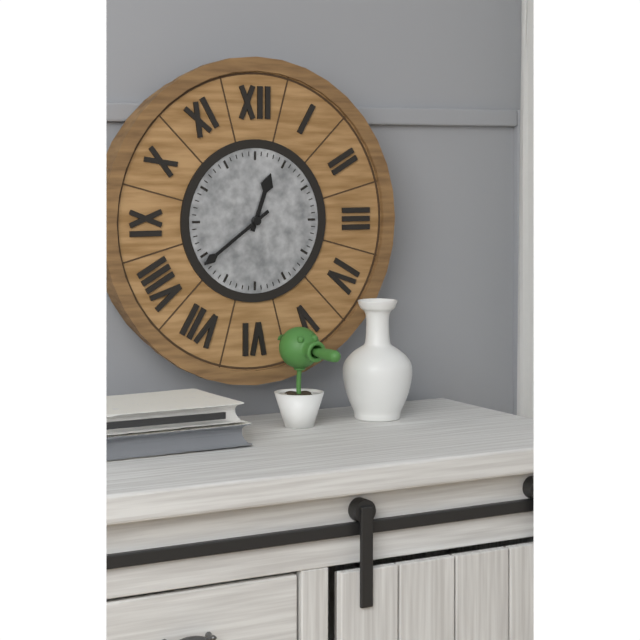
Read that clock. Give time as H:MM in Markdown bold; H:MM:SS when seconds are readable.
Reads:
**12:39**
